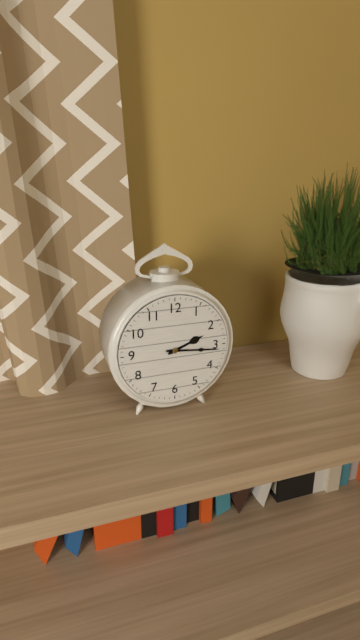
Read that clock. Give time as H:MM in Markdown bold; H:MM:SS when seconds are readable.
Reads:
**2:16**
